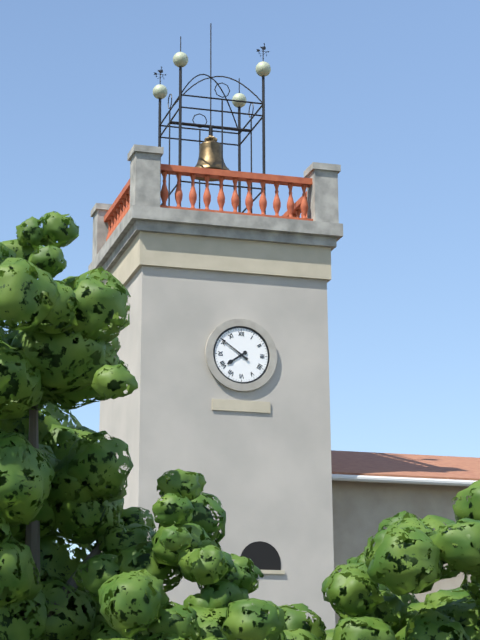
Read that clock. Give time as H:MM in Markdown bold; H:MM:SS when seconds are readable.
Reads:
**7:51**
